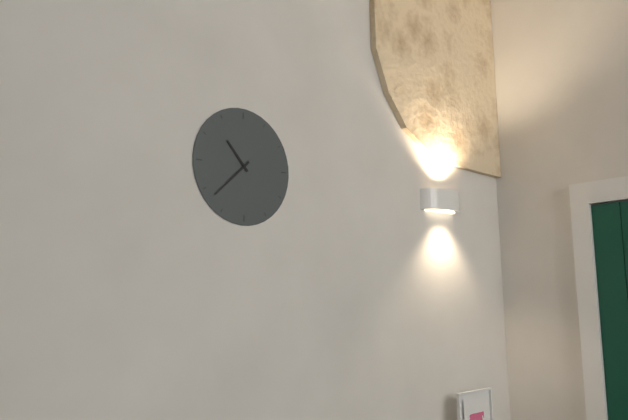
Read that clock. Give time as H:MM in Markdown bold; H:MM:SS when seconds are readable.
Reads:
**10:38**
